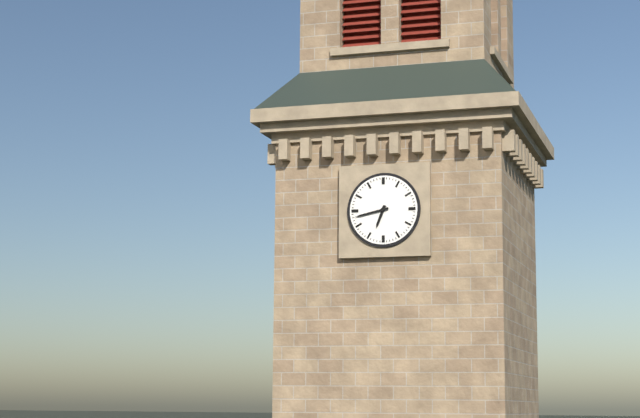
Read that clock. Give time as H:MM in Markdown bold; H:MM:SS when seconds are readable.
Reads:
**6:43**
